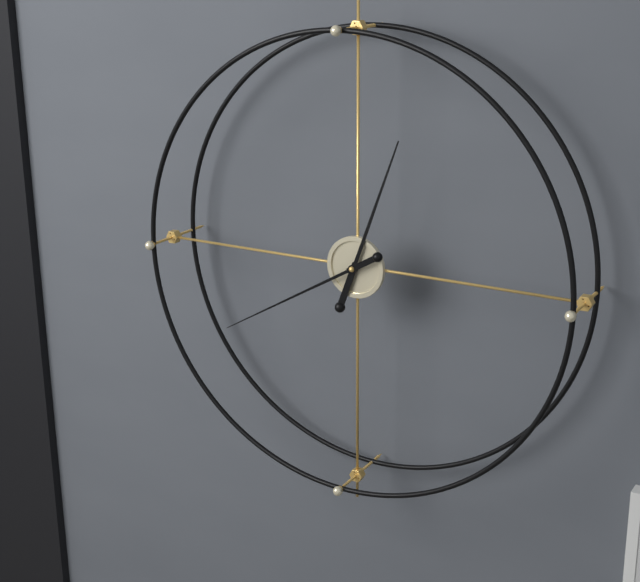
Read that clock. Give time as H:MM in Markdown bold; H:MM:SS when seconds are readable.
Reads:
**12:40**
